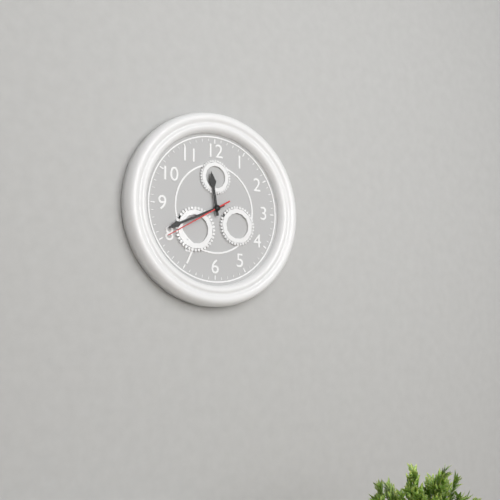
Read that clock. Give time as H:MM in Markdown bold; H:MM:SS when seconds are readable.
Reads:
**11:41:40**
